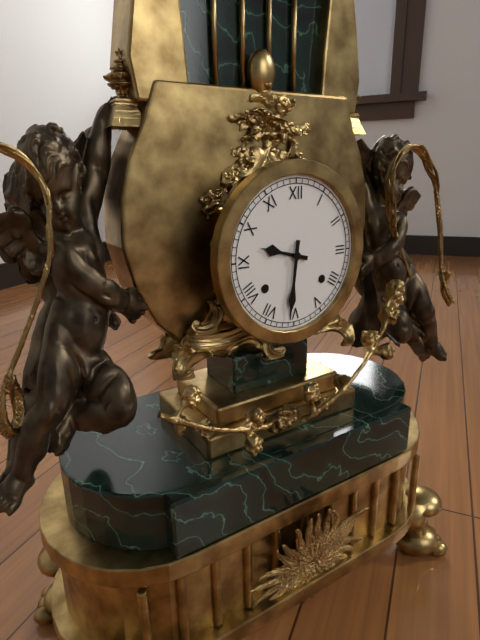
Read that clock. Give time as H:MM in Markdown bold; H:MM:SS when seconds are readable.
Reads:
**9:31**
